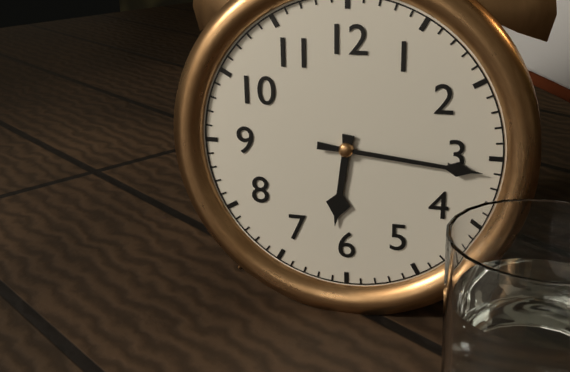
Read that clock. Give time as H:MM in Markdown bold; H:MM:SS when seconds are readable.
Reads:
**6:16**
